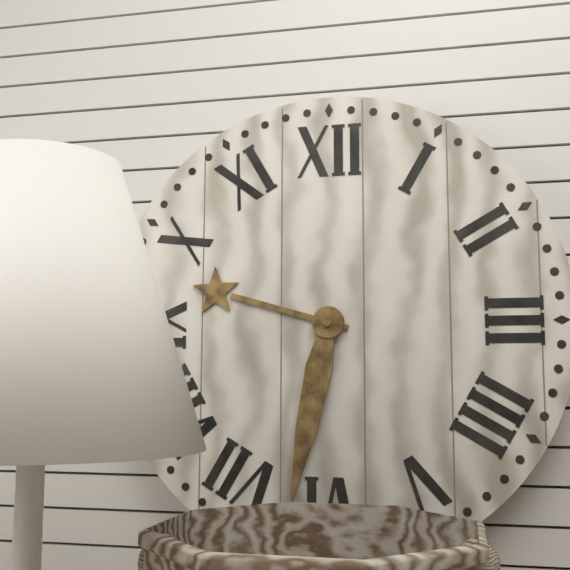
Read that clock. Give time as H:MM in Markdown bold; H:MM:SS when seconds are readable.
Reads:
**9:32**
